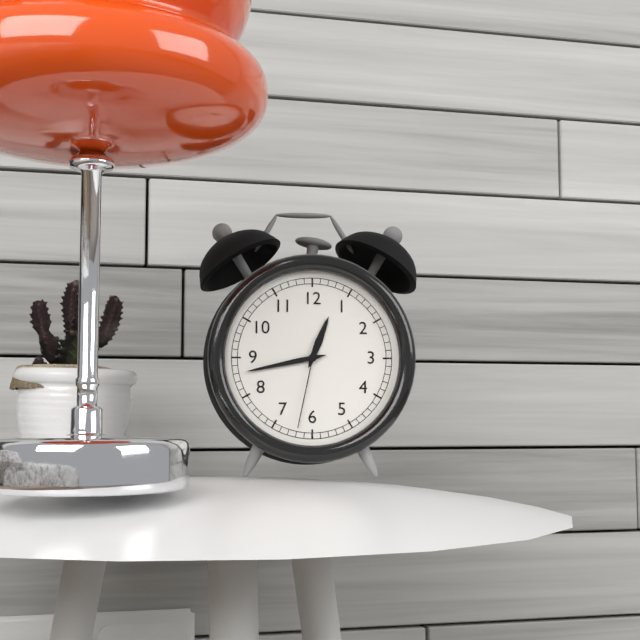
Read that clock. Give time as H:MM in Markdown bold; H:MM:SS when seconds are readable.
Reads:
**12:43:32**
